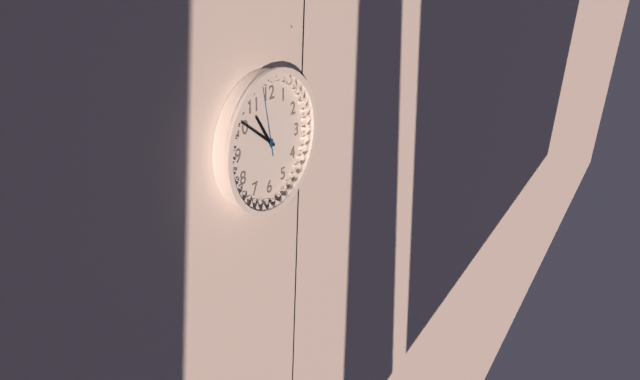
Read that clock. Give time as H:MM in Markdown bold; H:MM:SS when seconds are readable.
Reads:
**10:51:58**
